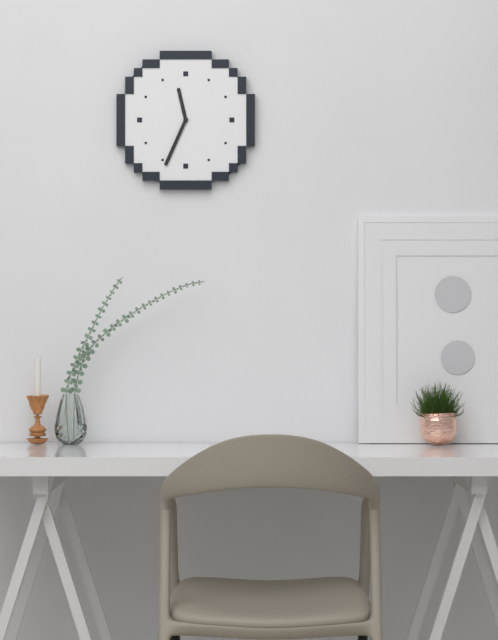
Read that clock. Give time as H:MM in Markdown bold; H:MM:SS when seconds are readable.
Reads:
**11:34**
